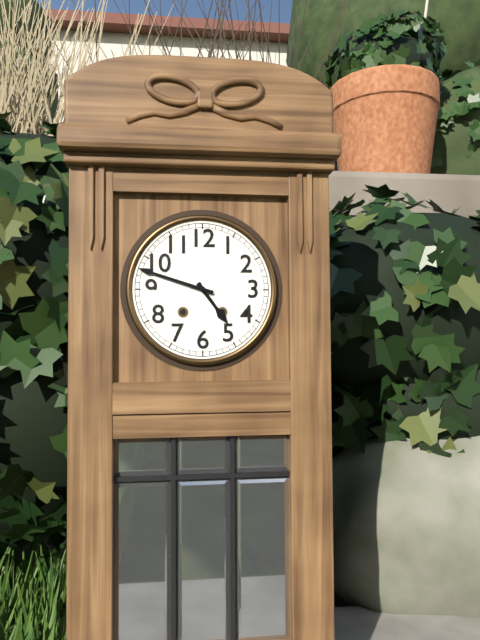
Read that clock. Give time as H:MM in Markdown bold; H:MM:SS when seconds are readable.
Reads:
**4:48**
